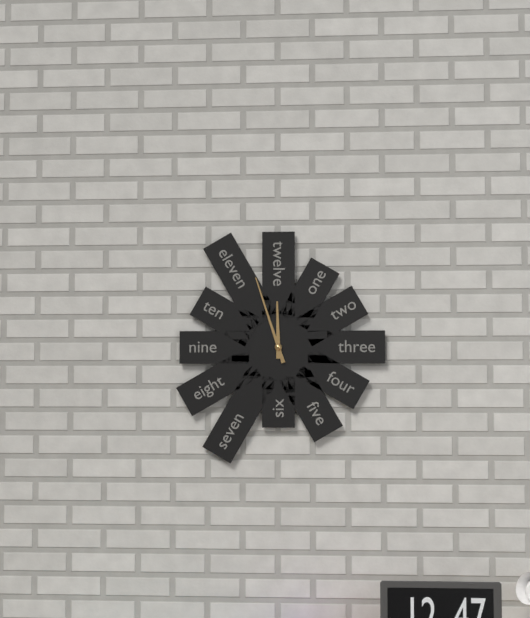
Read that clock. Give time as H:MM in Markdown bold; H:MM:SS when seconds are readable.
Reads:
**11:57**
